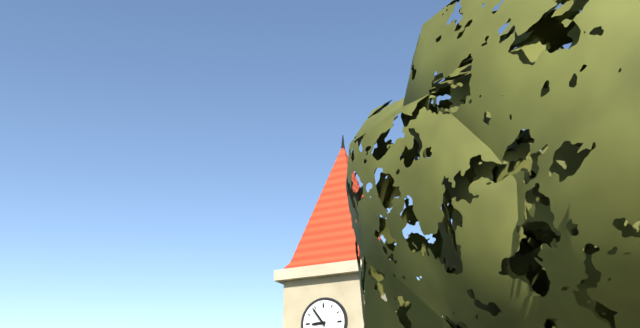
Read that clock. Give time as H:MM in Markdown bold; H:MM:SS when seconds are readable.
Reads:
**8:54**
